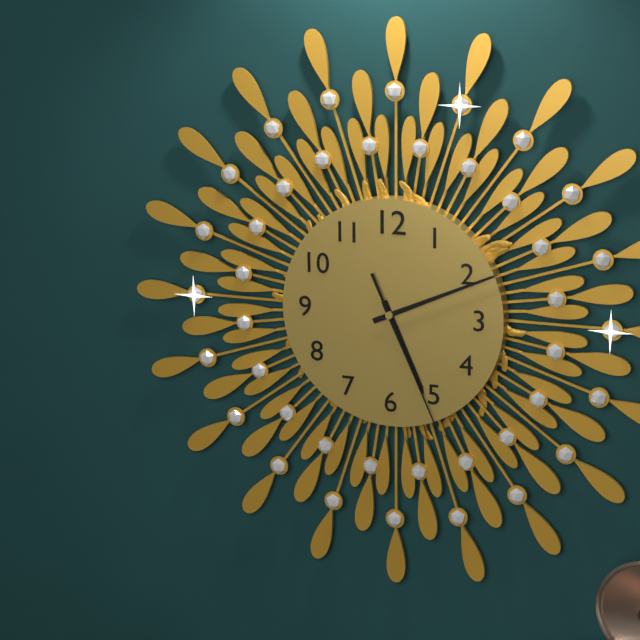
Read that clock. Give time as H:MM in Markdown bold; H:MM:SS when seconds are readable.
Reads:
**5:11:26**
